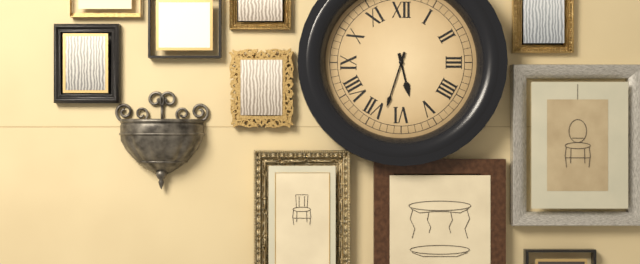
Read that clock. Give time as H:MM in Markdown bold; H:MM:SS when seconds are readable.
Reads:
**5:33**
